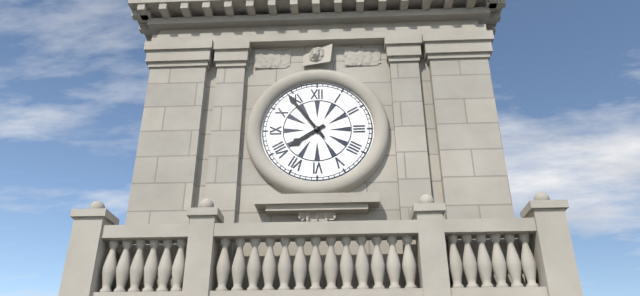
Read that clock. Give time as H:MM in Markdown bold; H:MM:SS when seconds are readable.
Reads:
**7:54**
